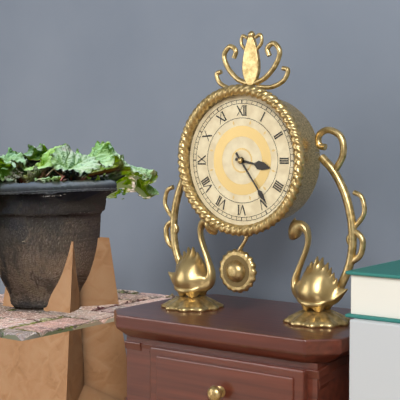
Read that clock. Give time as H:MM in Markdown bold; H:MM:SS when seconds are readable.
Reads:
**3:24**
